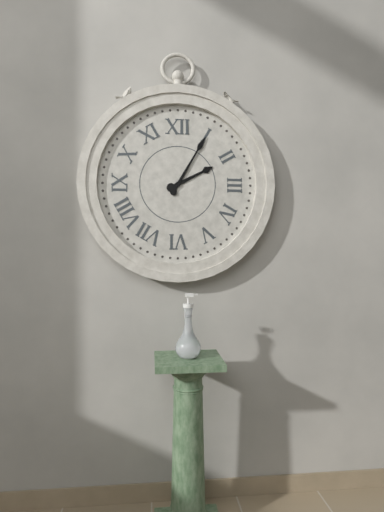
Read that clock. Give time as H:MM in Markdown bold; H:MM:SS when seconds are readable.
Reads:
**2:05**
